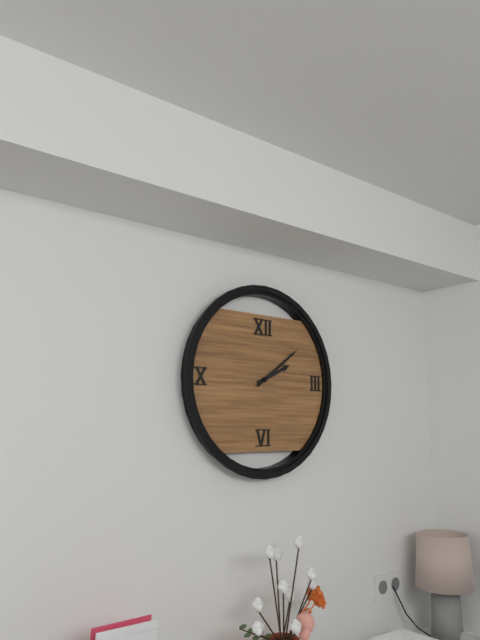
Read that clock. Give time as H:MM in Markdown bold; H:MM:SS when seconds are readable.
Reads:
**2:09**
